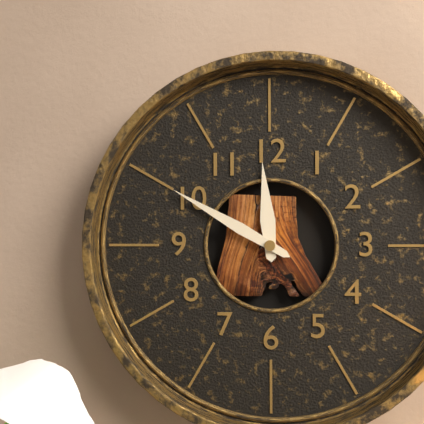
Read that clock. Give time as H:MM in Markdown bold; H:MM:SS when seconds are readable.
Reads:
**11:50**
